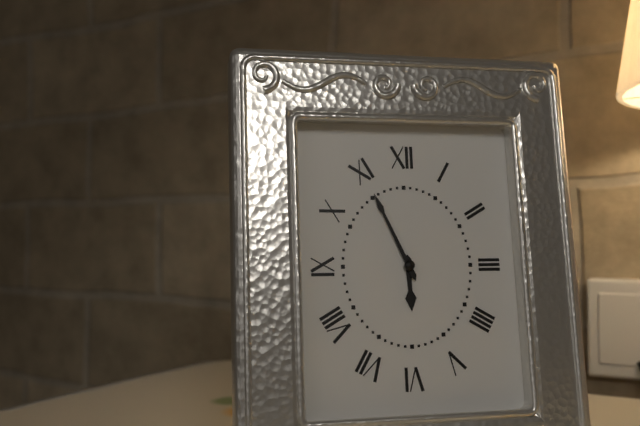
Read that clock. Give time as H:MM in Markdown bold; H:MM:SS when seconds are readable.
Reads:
**5:56**
